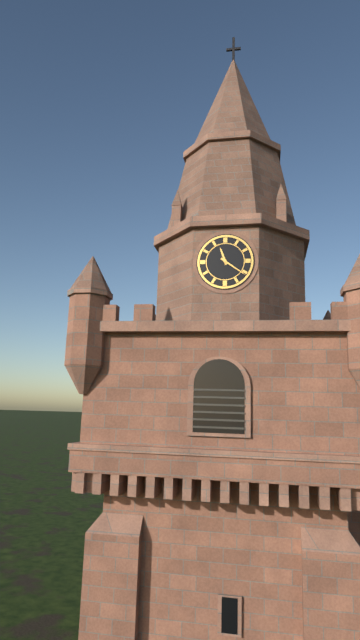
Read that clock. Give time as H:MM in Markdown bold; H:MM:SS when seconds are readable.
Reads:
**11:21**
